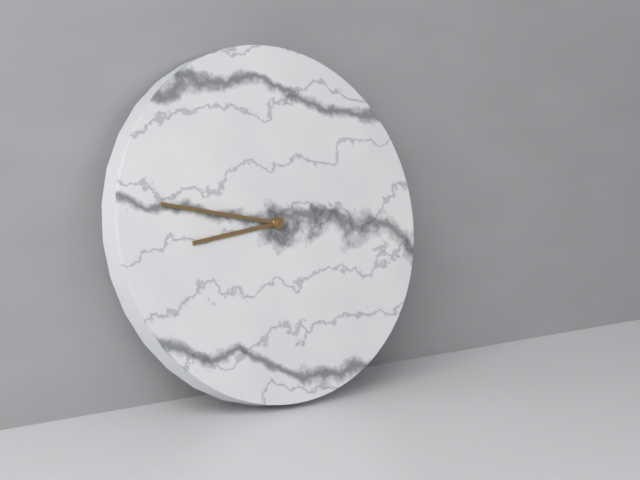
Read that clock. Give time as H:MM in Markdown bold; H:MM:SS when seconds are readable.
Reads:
**8:47**
